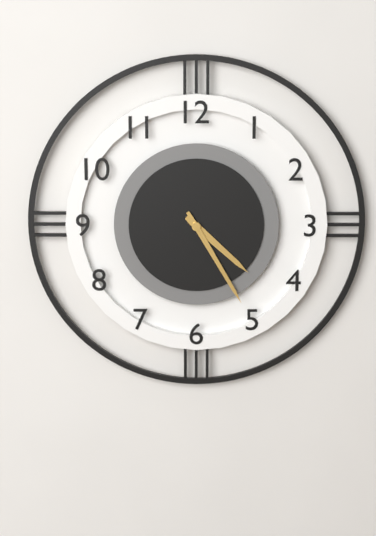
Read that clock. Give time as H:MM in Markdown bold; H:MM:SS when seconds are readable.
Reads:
**4:25**
